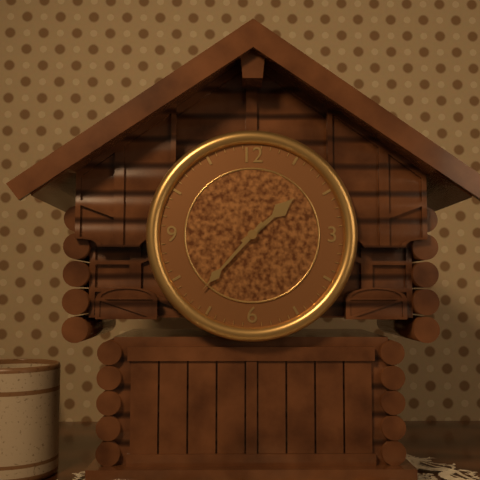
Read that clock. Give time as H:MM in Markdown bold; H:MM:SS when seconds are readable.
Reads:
**1:37**
